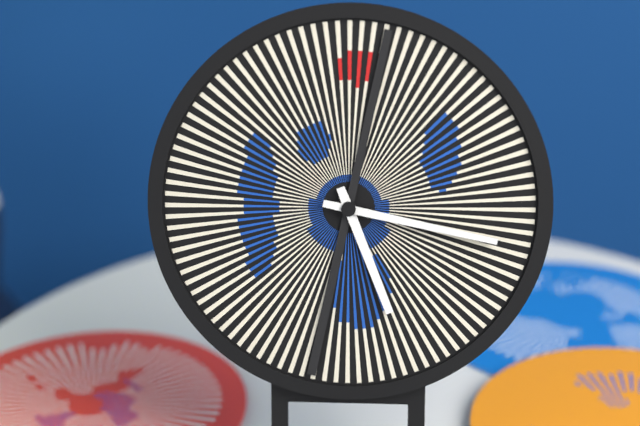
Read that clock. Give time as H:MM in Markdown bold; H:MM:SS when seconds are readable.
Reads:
**5:17**
